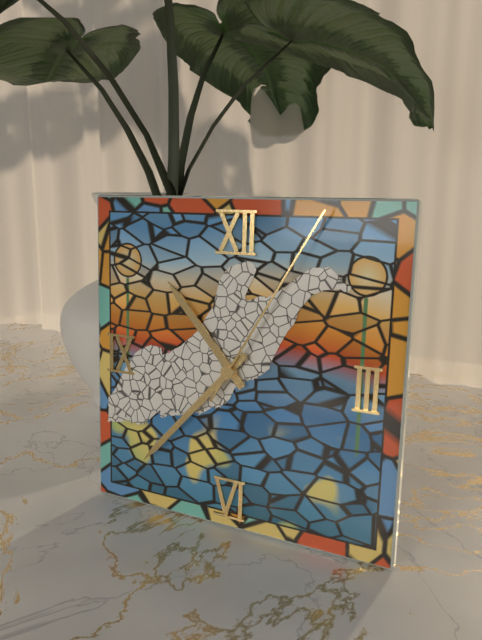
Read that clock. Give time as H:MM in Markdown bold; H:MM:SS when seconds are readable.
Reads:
**10:37:05**
